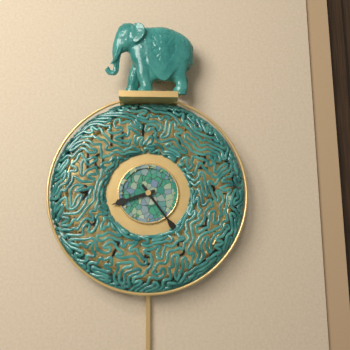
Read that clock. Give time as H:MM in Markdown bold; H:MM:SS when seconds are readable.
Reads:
**8:24**
